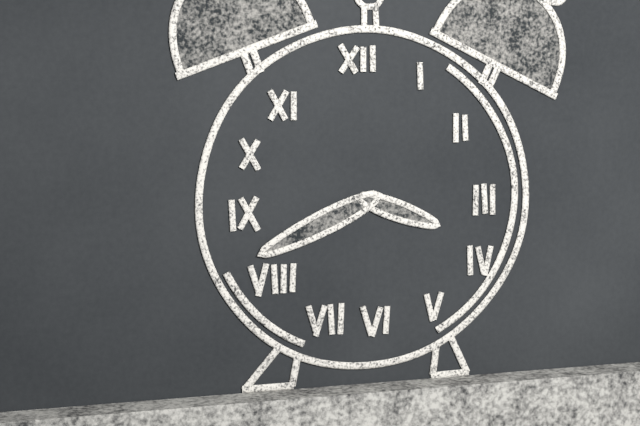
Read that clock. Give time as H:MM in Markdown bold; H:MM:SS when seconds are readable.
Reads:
**3:41**
